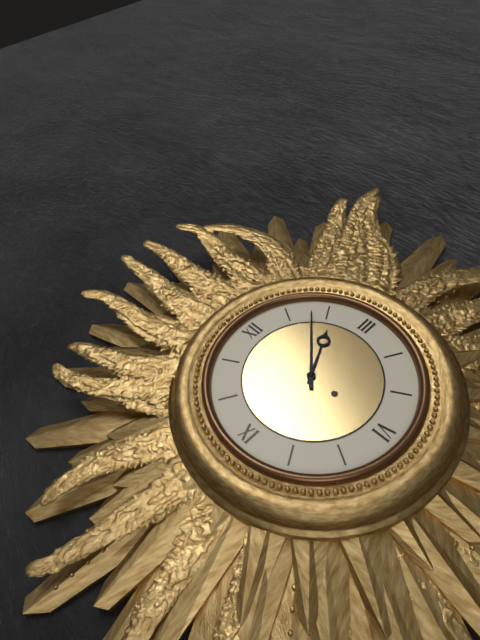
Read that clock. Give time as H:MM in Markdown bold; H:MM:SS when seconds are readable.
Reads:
**2:08**
